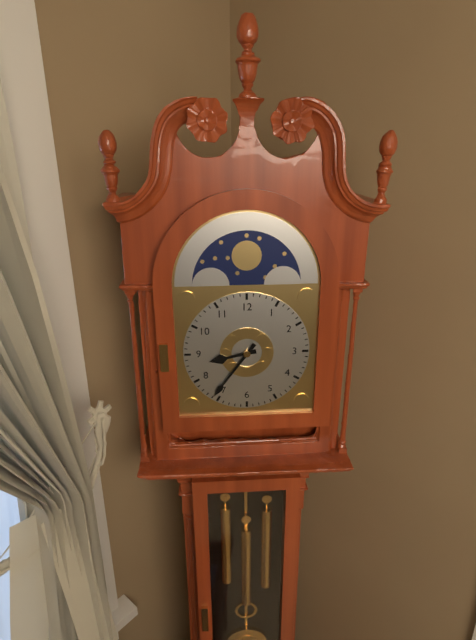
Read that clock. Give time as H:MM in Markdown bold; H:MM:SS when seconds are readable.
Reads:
**8:36**
